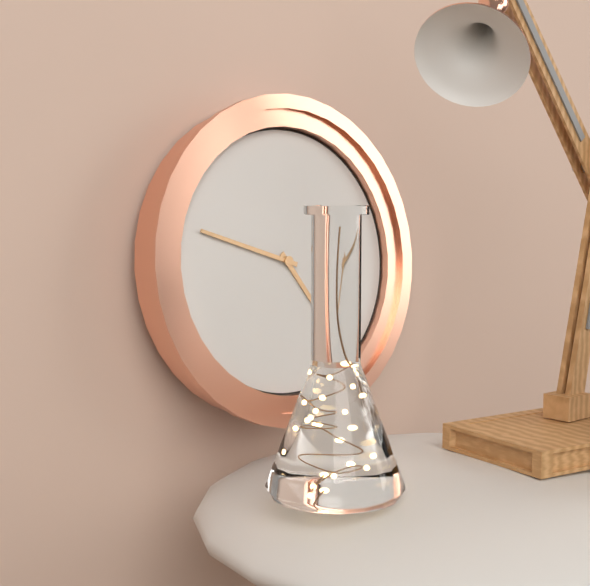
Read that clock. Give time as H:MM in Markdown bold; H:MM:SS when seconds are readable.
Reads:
**4:48**
